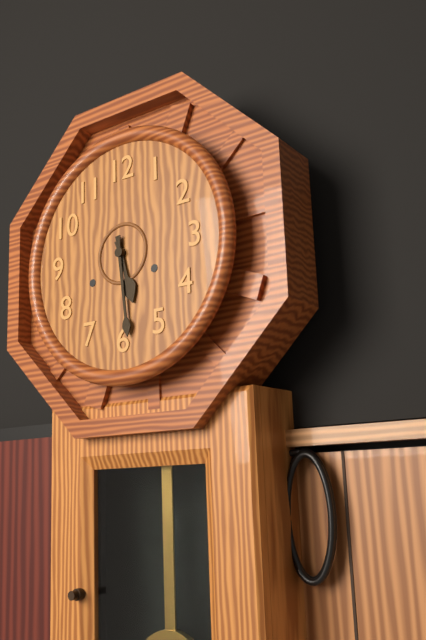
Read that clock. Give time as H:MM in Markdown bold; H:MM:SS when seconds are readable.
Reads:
**5:29**
